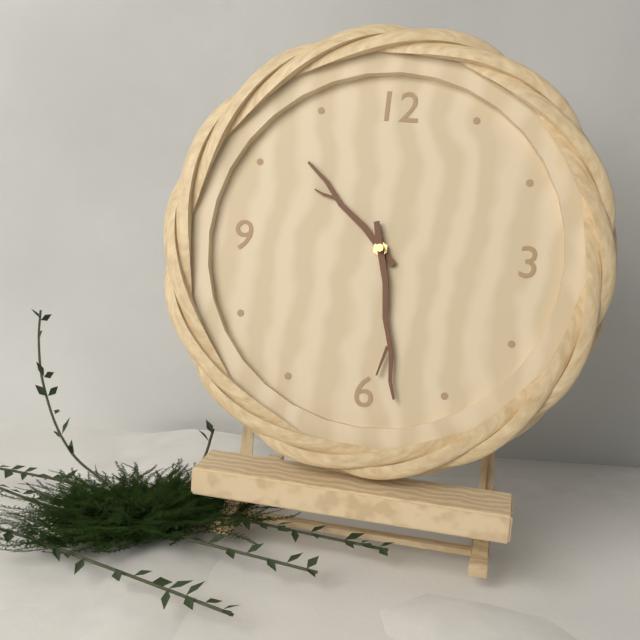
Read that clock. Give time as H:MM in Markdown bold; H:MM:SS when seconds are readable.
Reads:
**10:28**
